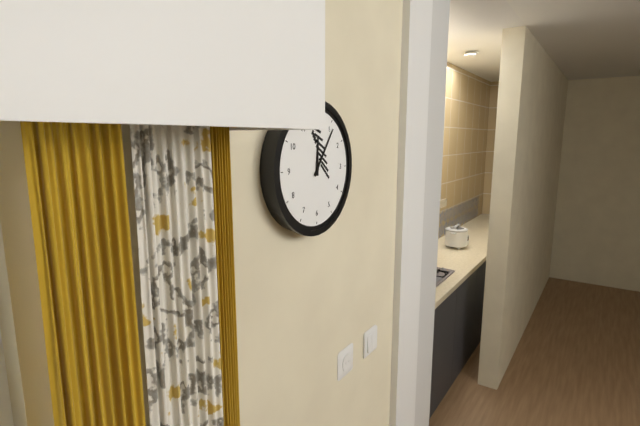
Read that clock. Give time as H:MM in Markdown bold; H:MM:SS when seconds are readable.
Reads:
**12:06**
